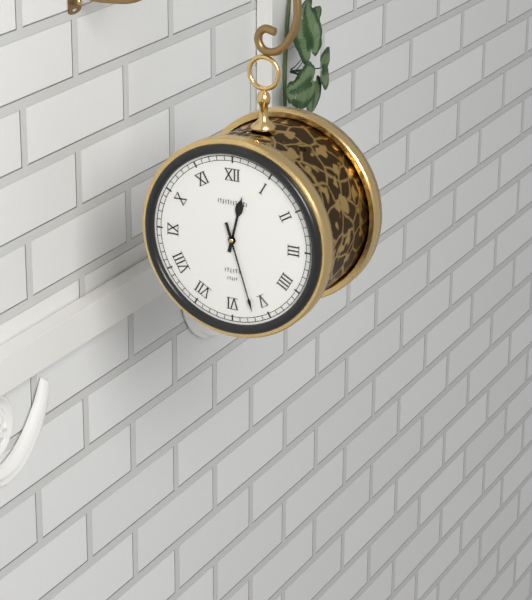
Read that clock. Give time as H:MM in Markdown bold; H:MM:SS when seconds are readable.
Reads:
**12:27**
